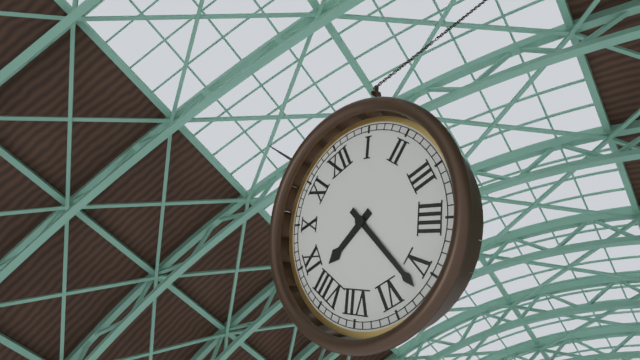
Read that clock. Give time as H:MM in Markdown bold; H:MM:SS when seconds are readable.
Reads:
**8:27**
